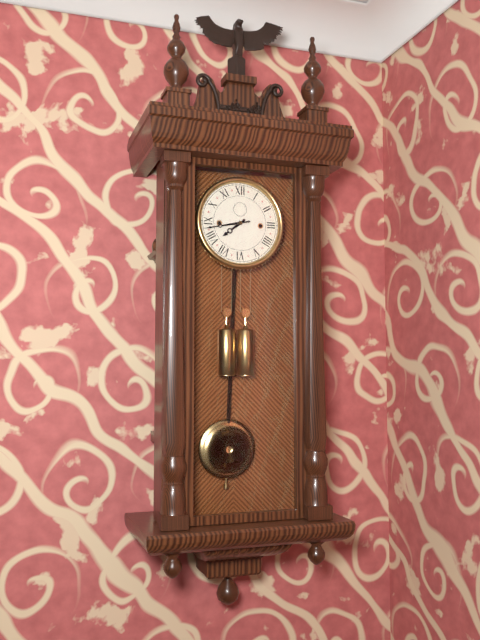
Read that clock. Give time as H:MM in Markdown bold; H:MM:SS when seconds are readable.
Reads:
**7:43**
